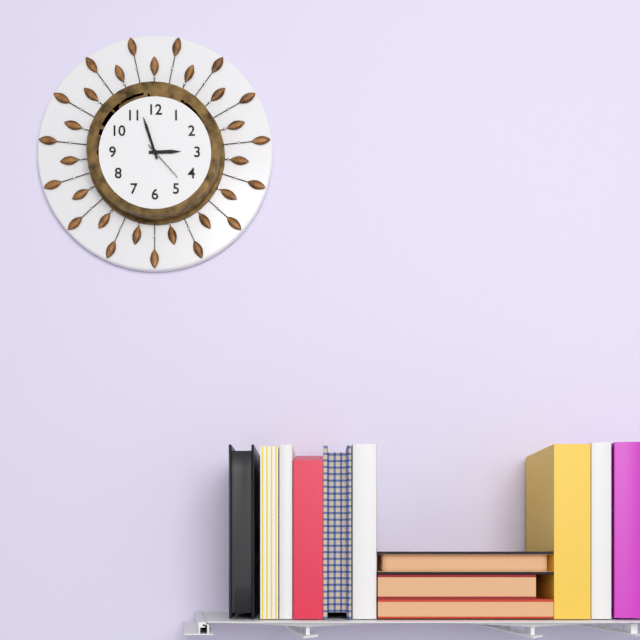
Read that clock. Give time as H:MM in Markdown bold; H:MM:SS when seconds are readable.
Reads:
**2:57**
